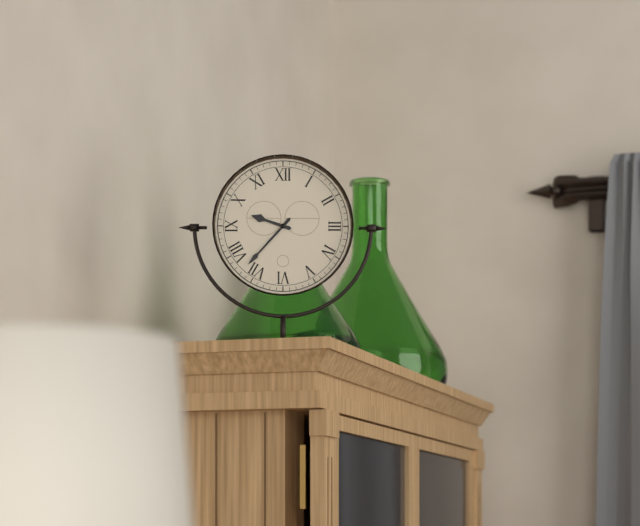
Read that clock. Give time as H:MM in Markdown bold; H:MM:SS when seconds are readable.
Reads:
**9:37**
